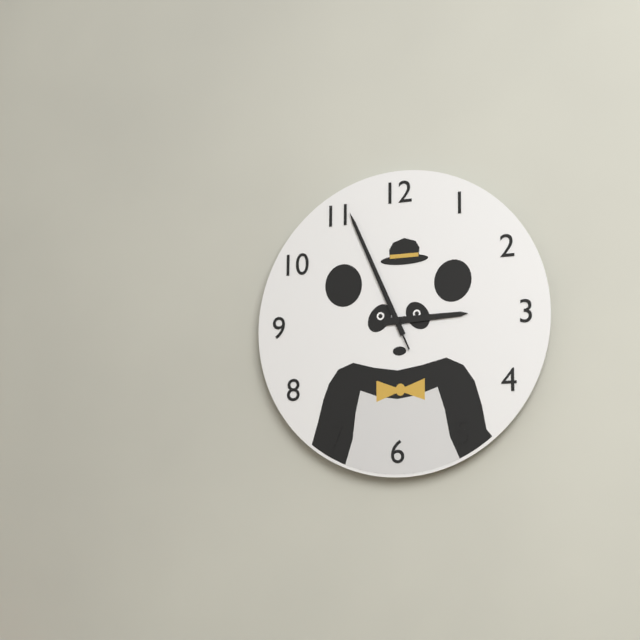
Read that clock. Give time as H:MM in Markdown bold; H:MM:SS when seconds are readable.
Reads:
**2:56:56**
